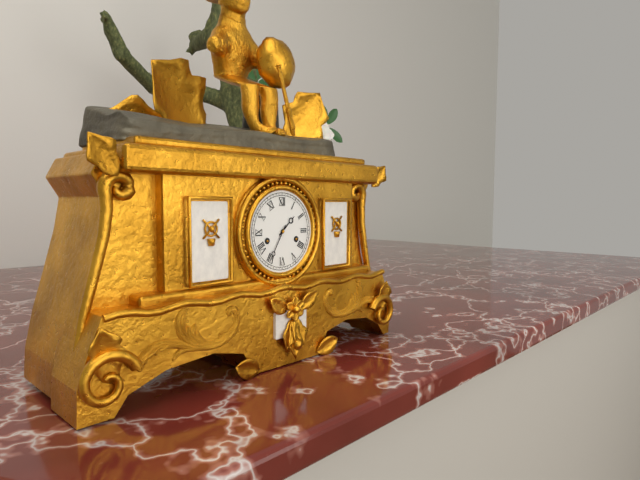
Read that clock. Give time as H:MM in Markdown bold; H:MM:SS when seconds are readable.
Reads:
**1:35**
